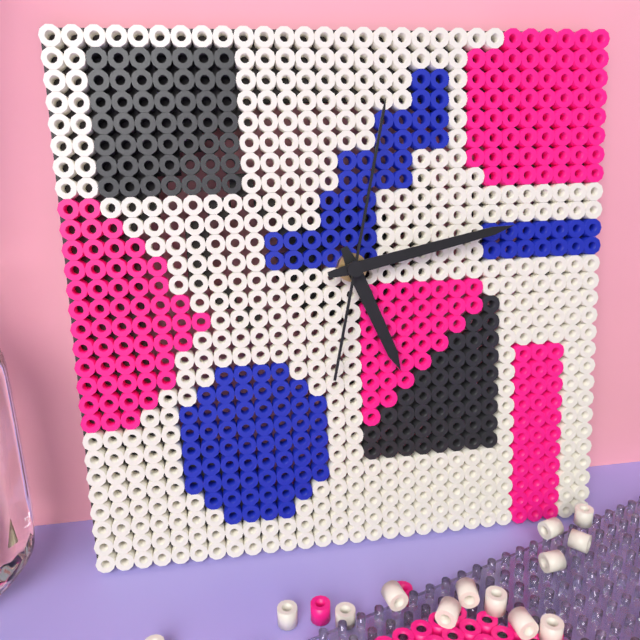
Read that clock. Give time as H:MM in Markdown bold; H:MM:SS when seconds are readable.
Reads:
**5:13:02**
